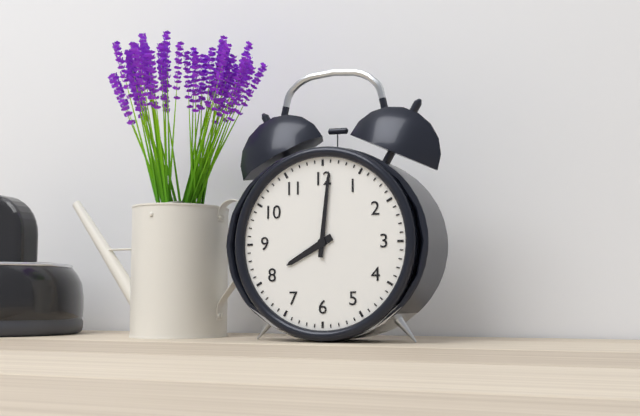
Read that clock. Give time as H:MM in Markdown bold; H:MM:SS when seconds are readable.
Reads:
**8:01**
